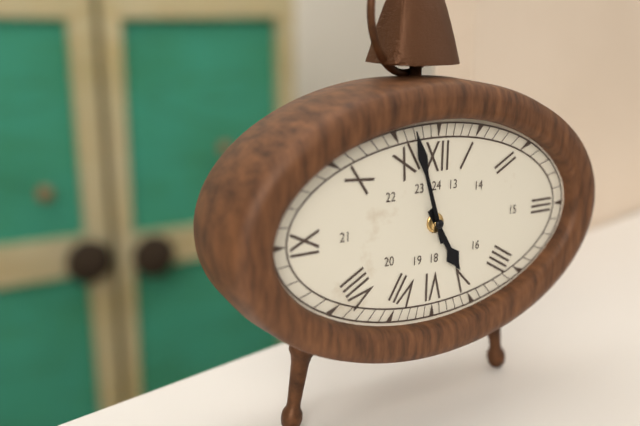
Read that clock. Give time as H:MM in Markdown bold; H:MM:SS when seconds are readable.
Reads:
**4:57**
